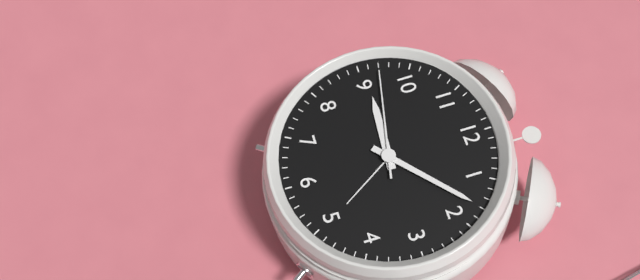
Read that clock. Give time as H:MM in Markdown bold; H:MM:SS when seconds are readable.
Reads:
**9:08:47**
